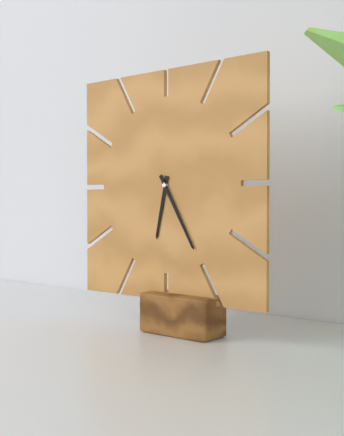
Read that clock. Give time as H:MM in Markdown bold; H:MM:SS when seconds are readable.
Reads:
**6:25**
